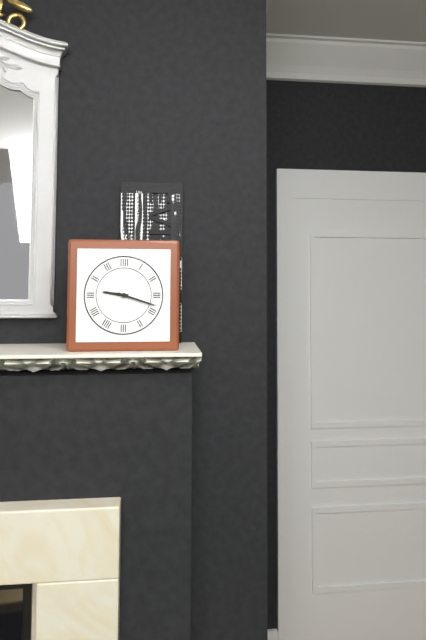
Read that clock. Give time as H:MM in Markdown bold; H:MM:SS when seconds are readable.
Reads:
**9:18**
